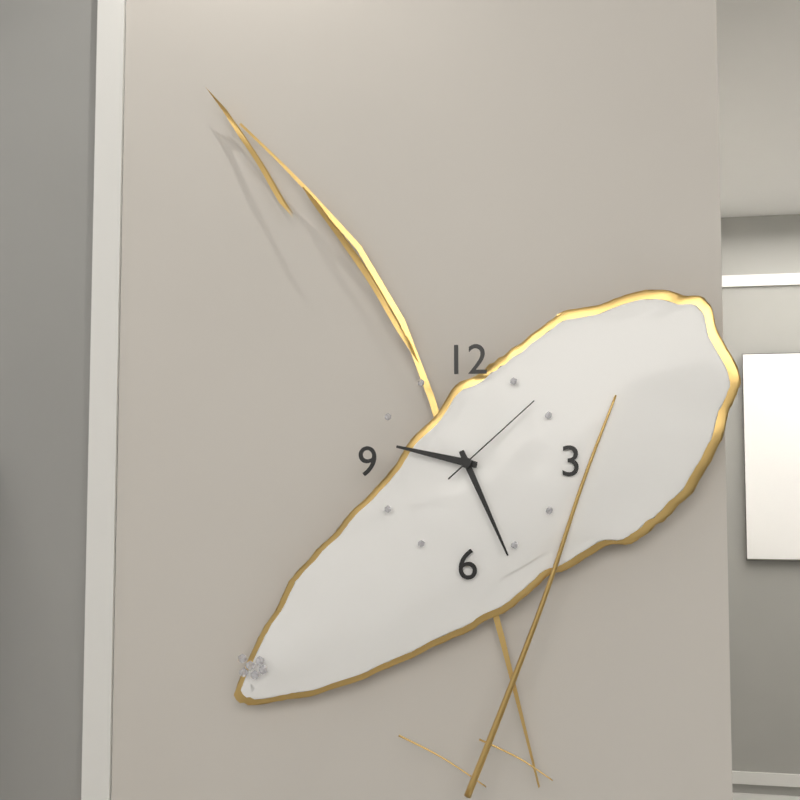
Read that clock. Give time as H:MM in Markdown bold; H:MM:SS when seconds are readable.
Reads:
**9:26:08**
